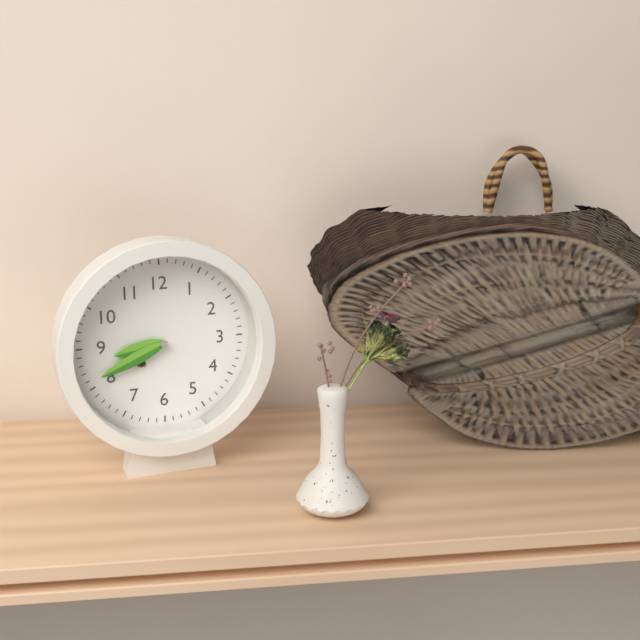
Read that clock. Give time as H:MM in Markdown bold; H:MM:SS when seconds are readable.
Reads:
**8:41**
